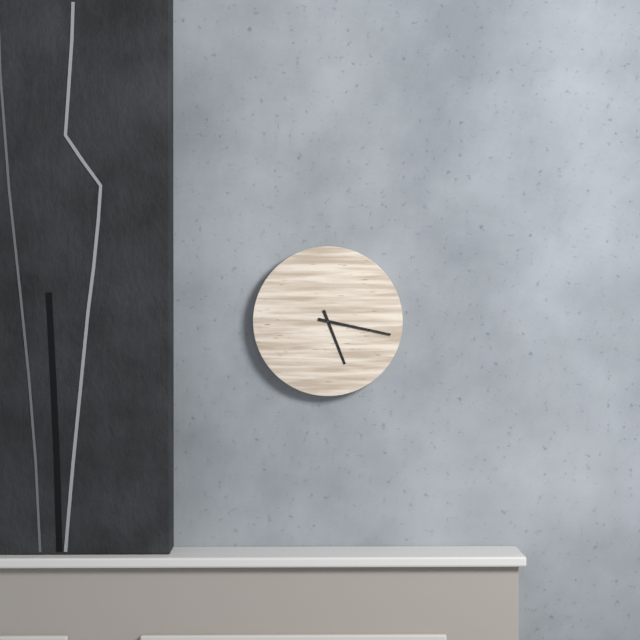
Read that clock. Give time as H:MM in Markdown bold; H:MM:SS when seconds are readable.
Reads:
**5:17**
